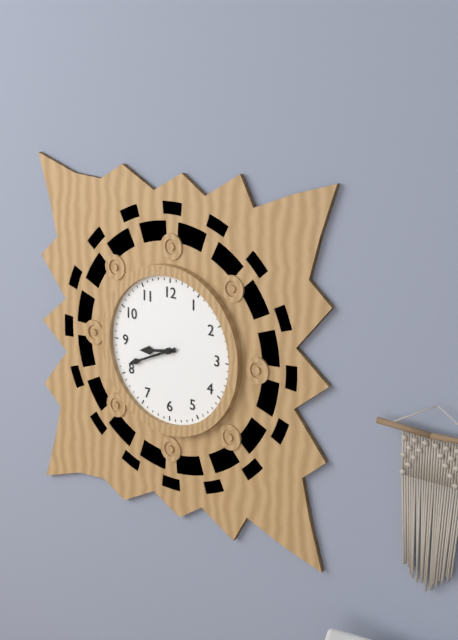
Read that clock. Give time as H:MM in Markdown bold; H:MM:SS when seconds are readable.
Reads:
**8:41**
